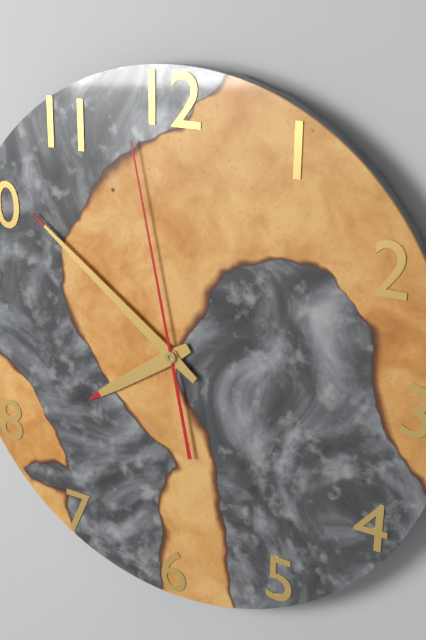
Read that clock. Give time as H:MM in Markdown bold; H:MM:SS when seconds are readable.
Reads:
**7:51:58**
